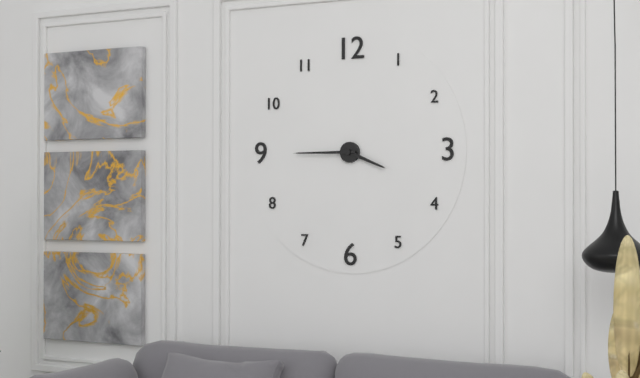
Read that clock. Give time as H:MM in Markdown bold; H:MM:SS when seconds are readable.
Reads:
**3:45**
